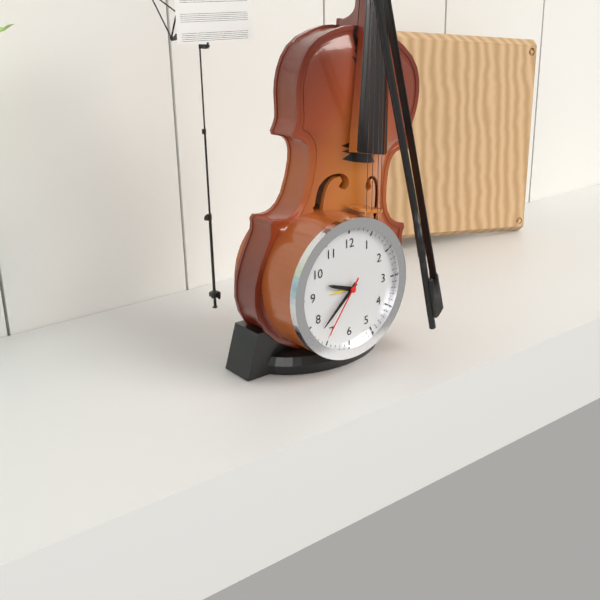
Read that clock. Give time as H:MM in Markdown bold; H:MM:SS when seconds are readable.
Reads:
**9:38:36**
